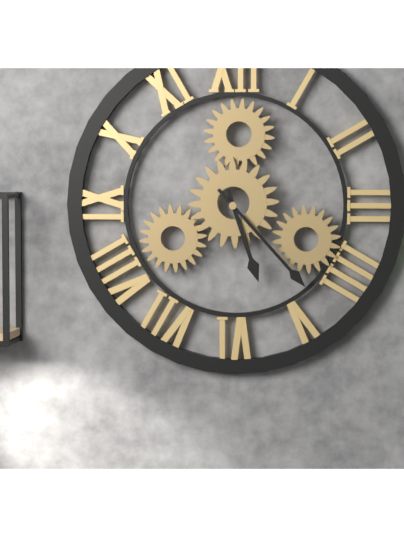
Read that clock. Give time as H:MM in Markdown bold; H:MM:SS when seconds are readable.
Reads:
**5:23**
